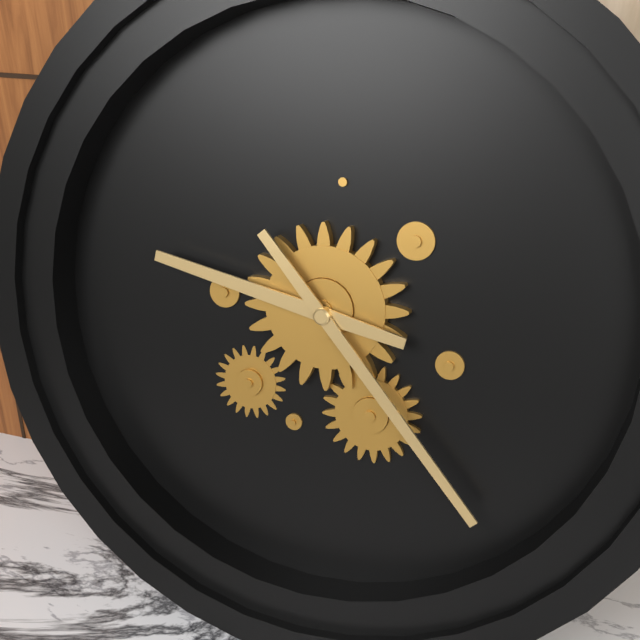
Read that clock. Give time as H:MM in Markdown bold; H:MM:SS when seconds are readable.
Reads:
**9:23**
